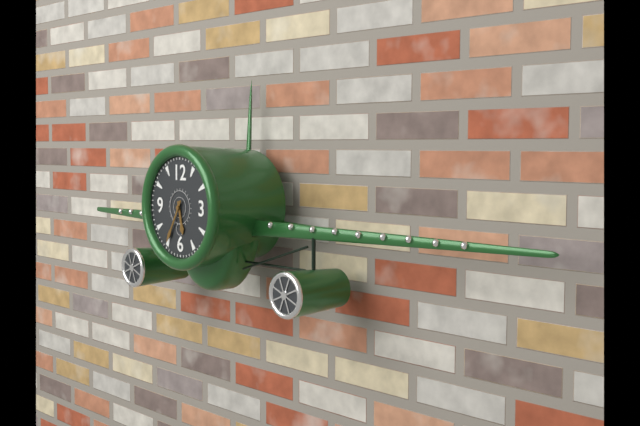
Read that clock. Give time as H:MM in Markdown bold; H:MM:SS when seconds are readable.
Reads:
**5:35**
